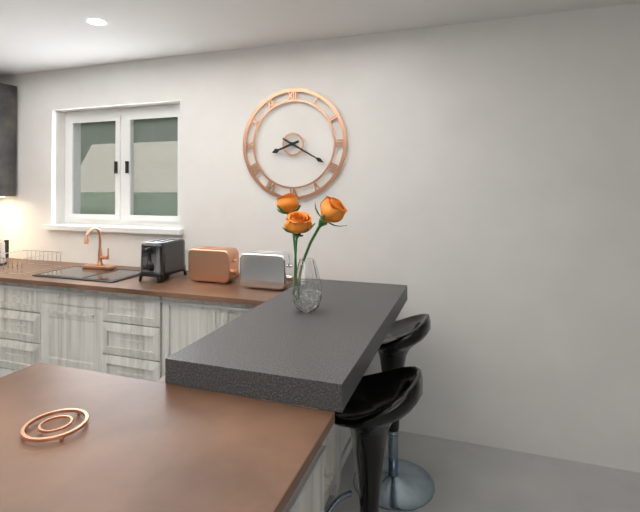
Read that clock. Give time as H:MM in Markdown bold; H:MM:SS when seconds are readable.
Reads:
**8:20**
